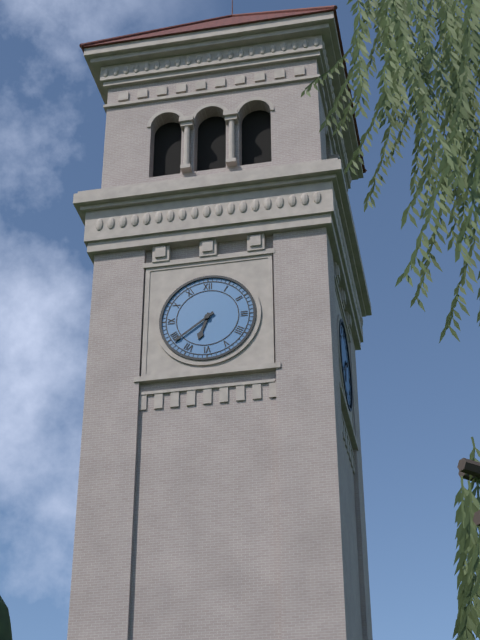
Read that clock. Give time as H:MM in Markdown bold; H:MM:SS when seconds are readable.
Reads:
**6:39**
